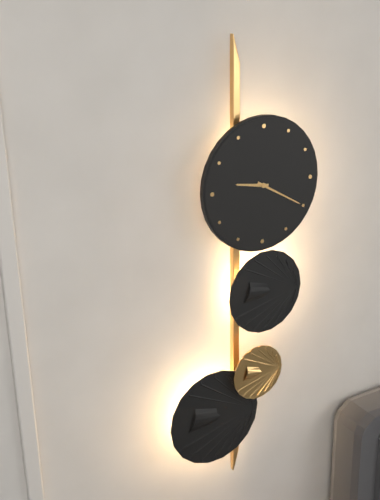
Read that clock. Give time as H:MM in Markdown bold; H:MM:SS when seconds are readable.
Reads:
**9:20**
